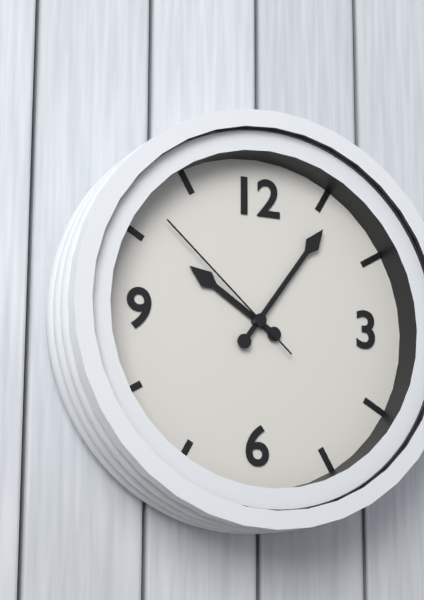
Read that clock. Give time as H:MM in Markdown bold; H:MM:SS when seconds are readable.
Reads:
**10:06:52**
